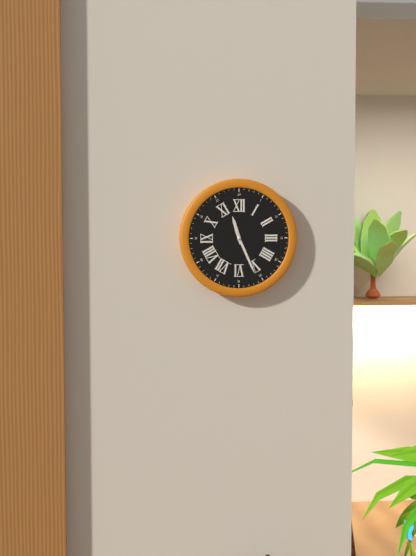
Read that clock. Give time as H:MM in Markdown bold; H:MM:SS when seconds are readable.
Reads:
**11:26**
